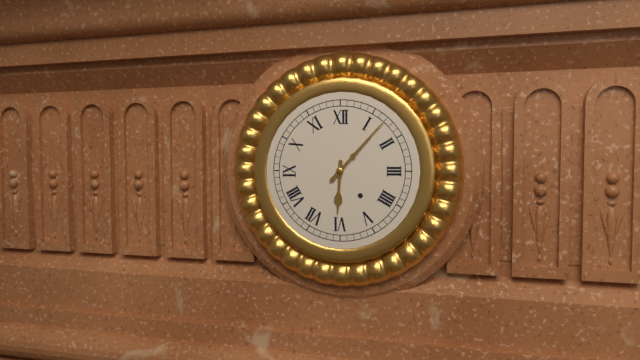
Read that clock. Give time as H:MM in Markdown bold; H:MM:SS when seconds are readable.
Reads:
**6:07**
